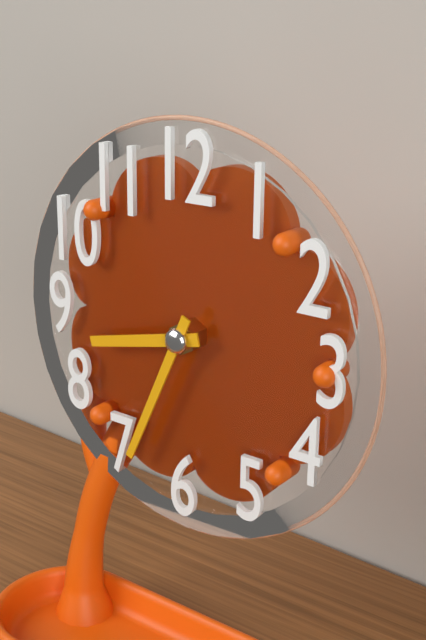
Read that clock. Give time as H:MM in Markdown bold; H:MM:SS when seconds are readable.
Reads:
**8:34**
